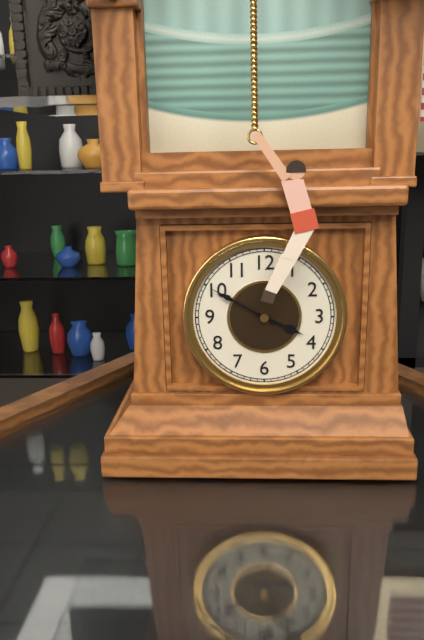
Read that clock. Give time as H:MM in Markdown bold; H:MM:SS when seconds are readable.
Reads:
**3:50**
